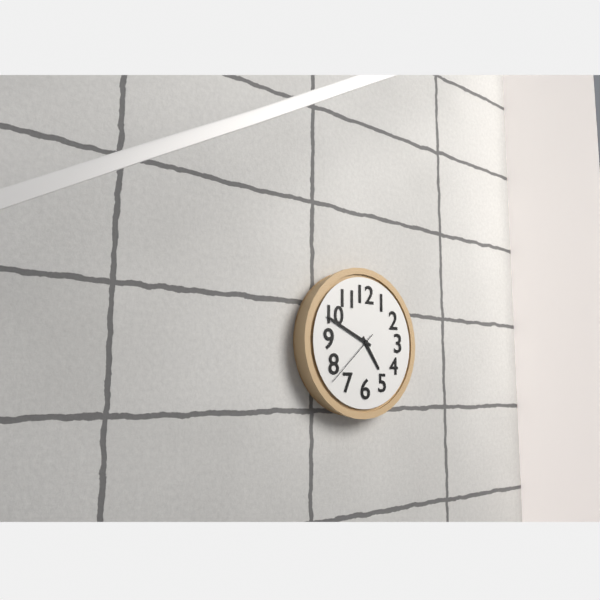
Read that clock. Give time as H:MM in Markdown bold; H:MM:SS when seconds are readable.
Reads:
**4:49:38**
